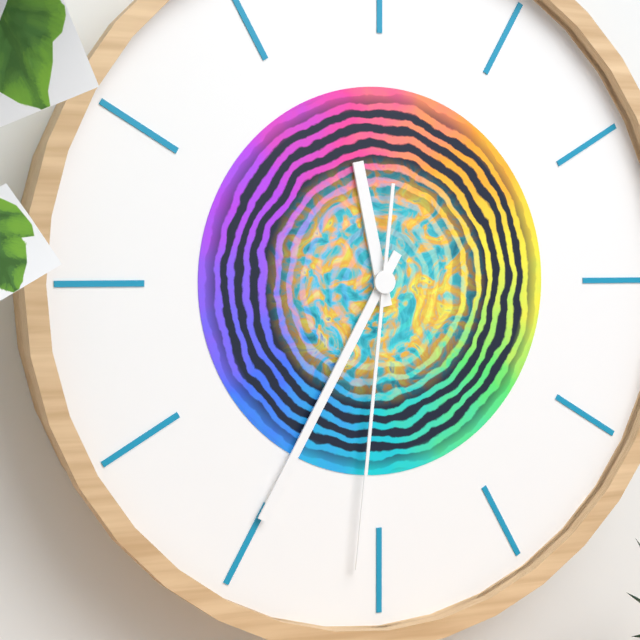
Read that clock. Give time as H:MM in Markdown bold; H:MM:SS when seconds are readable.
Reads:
**11:35:31**
